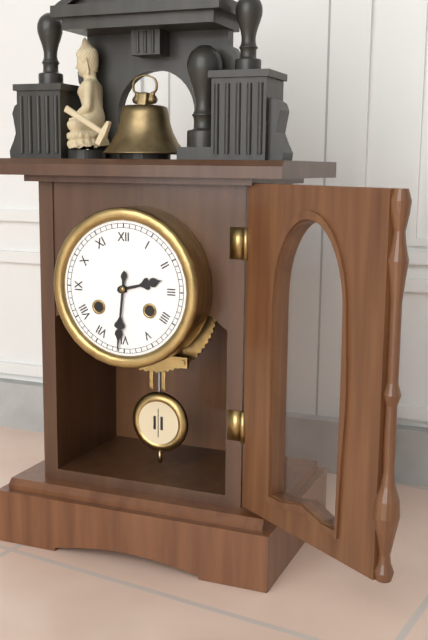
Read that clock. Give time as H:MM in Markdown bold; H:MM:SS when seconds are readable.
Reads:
**2:31**
